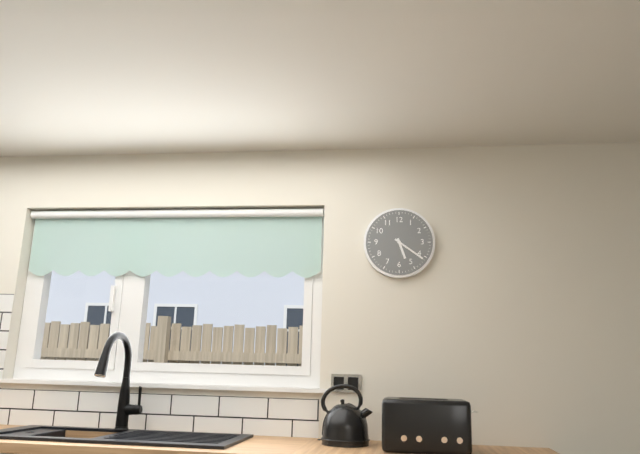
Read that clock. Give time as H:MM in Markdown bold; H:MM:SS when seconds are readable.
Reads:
**5:21**
